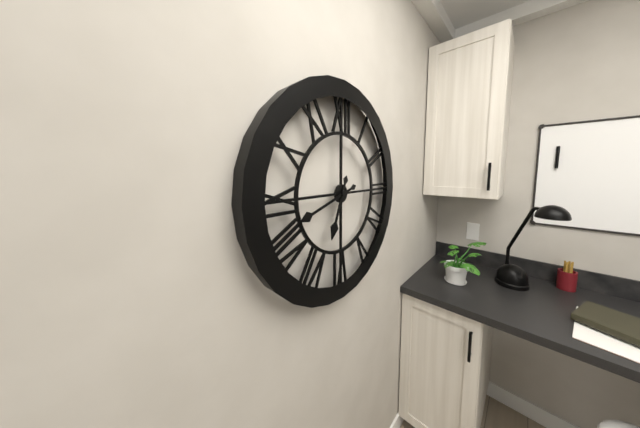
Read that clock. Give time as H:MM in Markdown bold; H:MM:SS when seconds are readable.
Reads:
**6:42**
